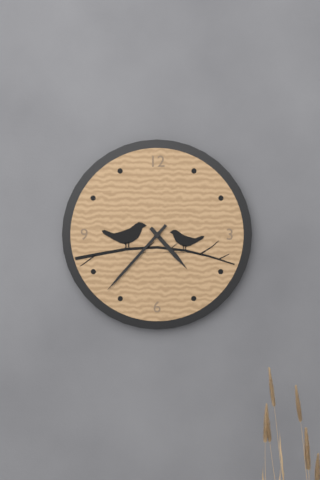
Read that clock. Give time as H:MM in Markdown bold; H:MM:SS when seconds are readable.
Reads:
**4:37**
